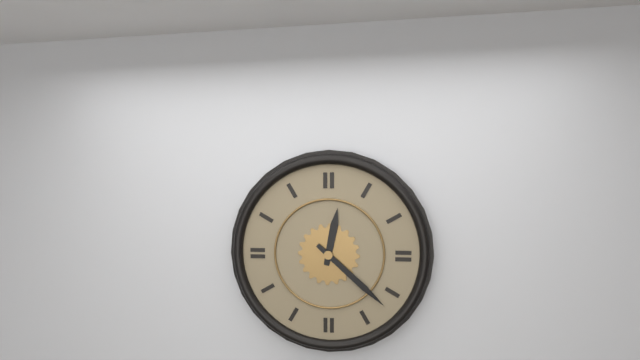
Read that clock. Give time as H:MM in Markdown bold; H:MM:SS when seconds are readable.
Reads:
**12:22**
